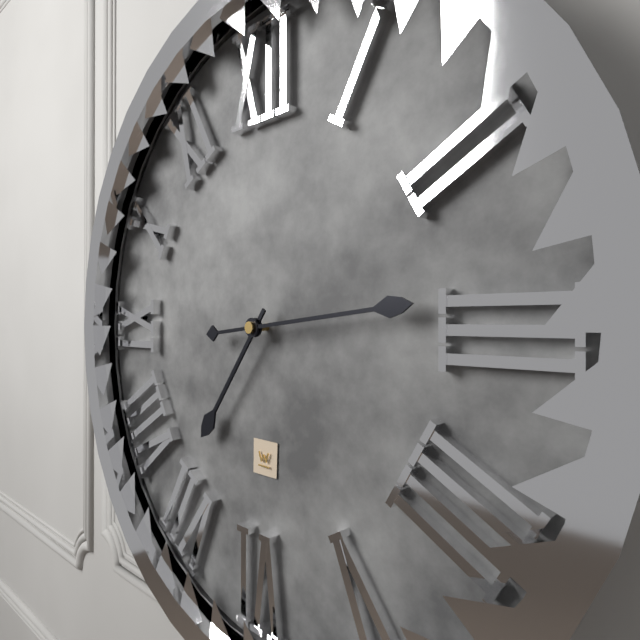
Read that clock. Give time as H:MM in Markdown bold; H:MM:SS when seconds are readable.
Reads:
**7:14**
